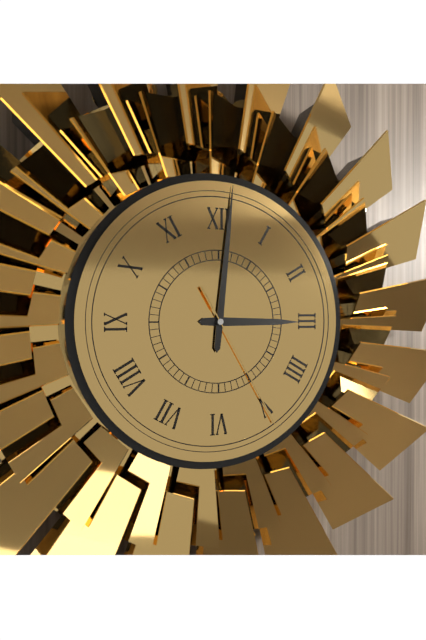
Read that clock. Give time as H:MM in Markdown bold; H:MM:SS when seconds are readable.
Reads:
**3:01:25**
